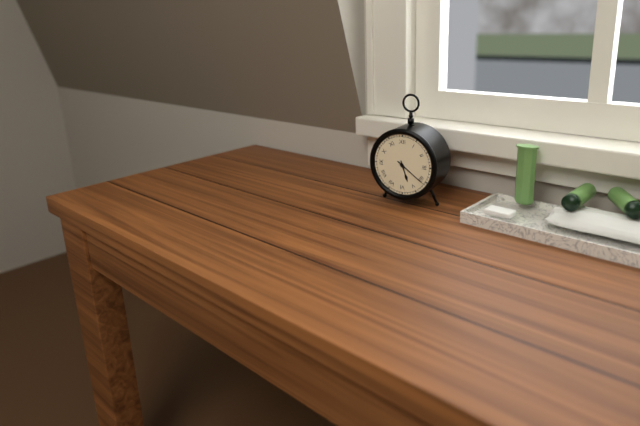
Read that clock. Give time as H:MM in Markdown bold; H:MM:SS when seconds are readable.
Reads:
**5:21**
